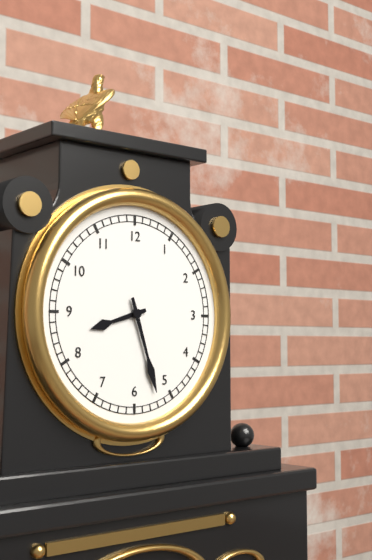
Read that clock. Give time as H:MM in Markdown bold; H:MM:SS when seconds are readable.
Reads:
**8:27**
